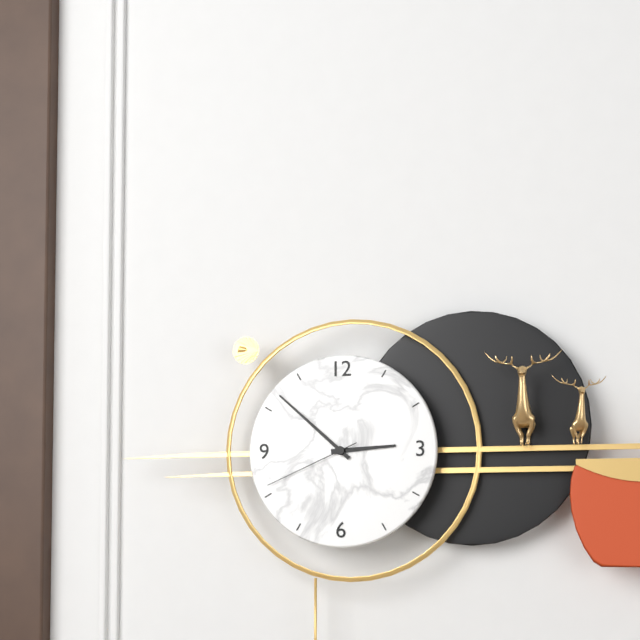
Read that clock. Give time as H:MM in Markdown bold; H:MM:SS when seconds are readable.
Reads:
**2:52:41**
